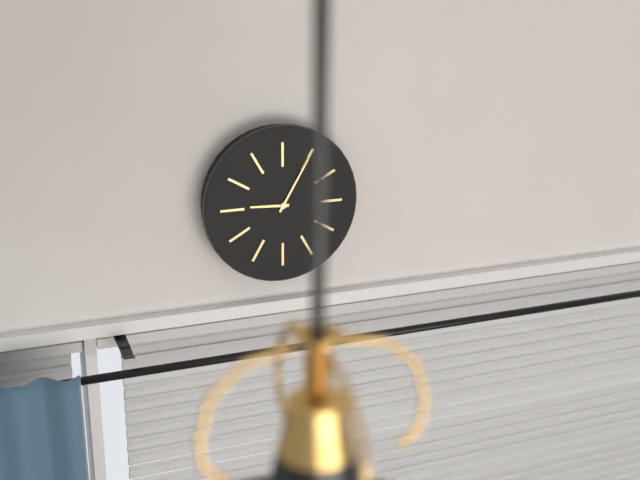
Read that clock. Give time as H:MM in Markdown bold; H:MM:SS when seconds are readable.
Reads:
**9:05**
